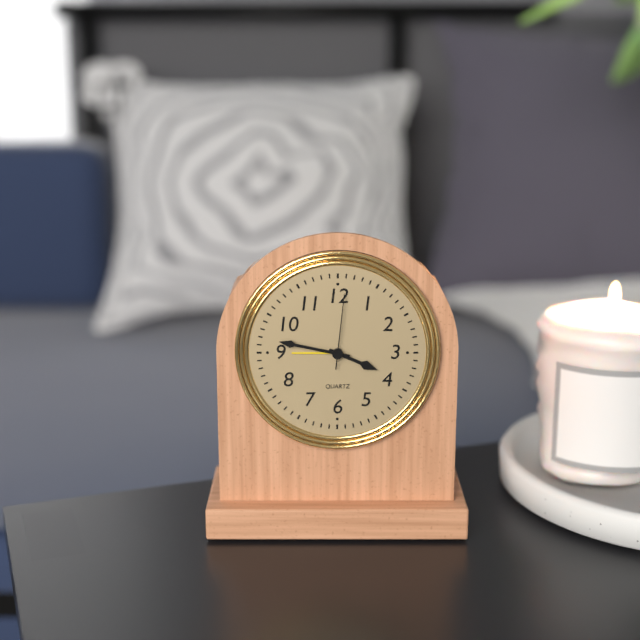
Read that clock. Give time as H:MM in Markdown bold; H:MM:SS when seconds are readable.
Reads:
**3:47:01**
